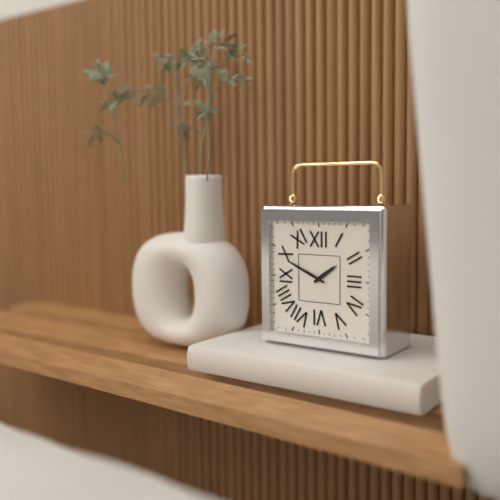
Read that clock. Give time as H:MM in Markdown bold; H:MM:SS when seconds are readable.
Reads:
**1:49**
